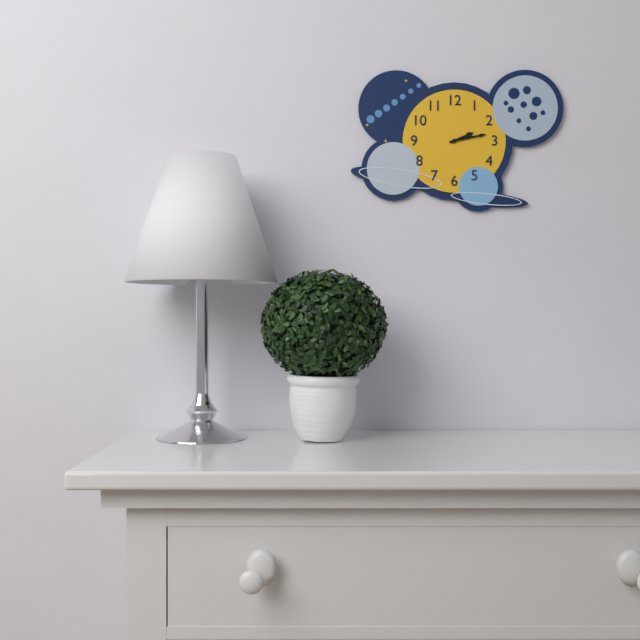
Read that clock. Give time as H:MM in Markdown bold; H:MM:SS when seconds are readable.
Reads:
**2:13**
